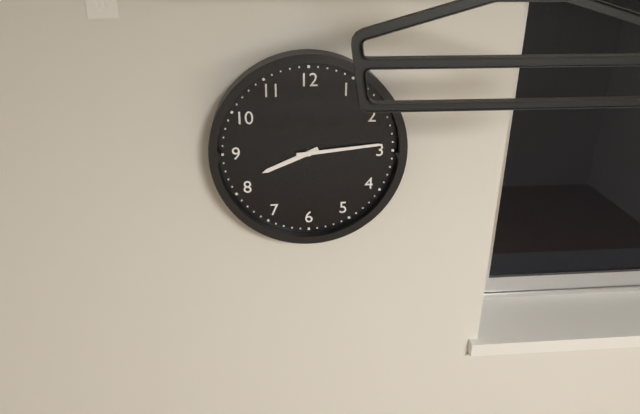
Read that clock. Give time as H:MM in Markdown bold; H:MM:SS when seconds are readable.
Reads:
**8:14**
